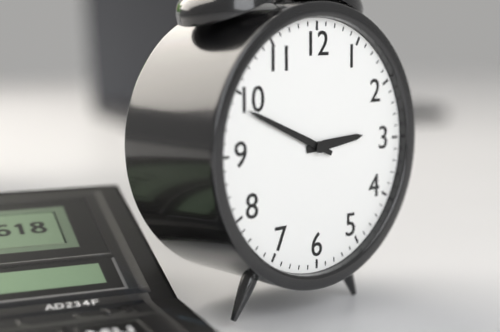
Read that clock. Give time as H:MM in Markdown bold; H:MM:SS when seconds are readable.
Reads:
**2:49**
